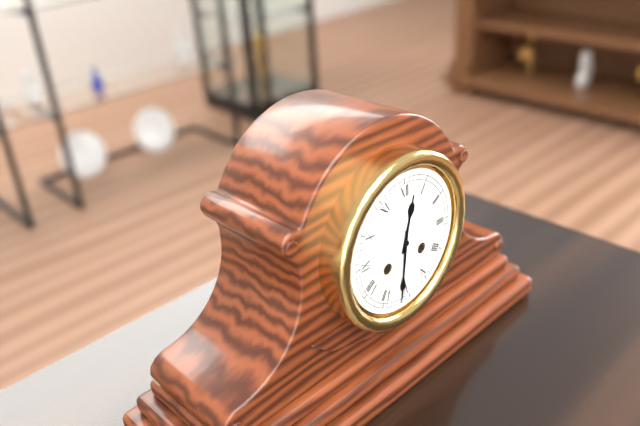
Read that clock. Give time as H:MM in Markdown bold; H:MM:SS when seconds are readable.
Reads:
**12:31**
